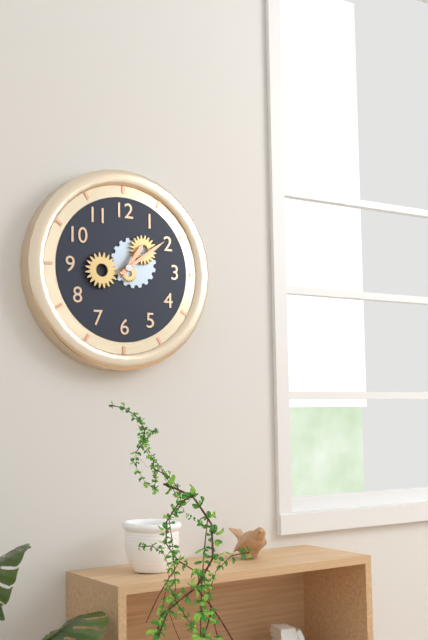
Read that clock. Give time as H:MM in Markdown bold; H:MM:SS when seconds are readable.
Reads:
**1:09**
